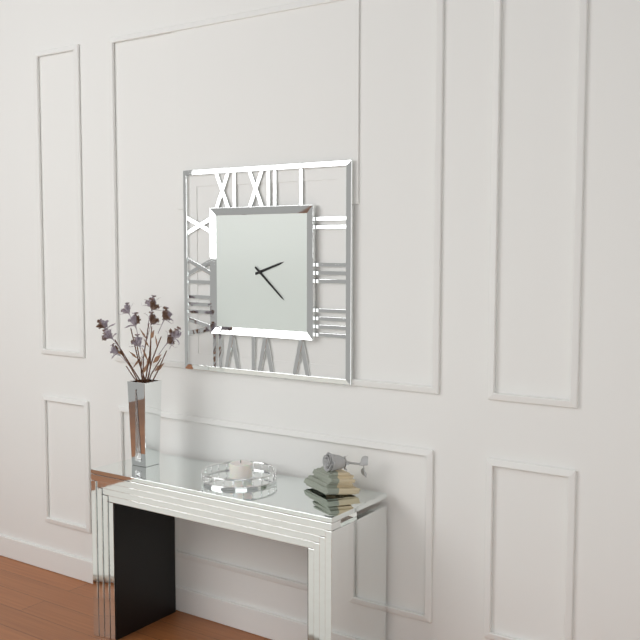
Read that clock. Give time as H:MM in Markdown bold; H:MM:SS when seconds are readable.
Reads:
**2:22**
